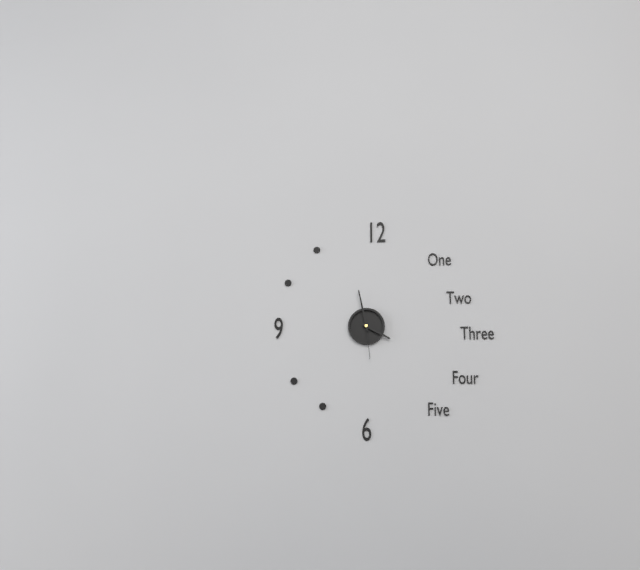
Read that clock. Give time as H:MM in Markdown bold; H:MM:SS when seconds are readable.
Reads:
**3:58**
